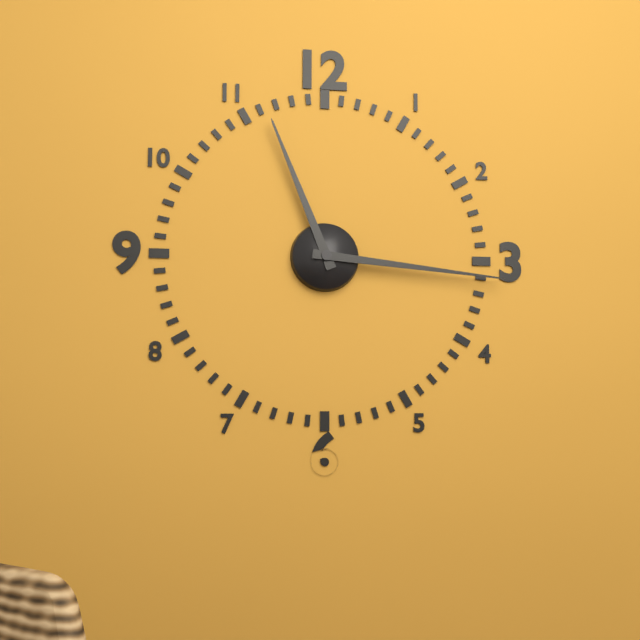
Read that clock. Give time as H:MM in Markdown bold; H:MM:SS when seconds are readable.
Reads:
**11:16**
